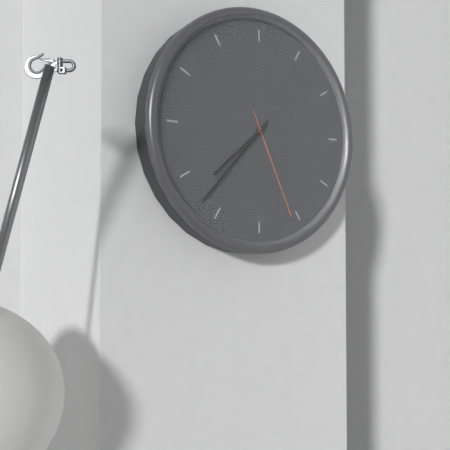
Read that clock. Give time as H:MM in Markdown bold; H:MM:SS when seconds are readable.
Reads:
**7:37:26**
